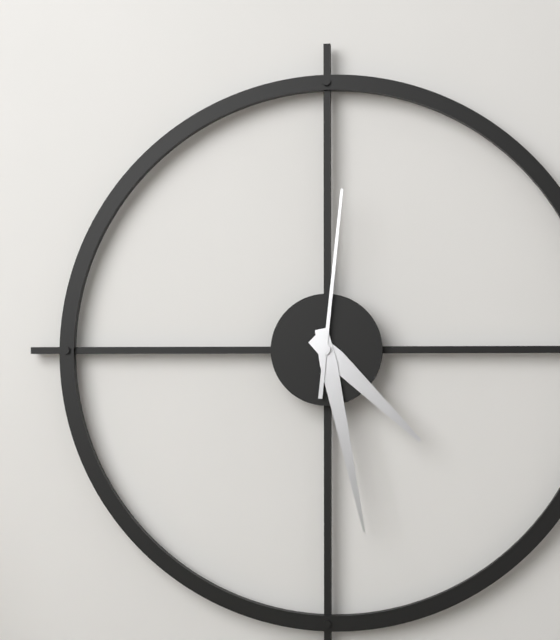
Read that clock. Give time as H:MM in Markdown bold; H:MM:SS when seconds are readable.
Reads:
**4:28:01**
